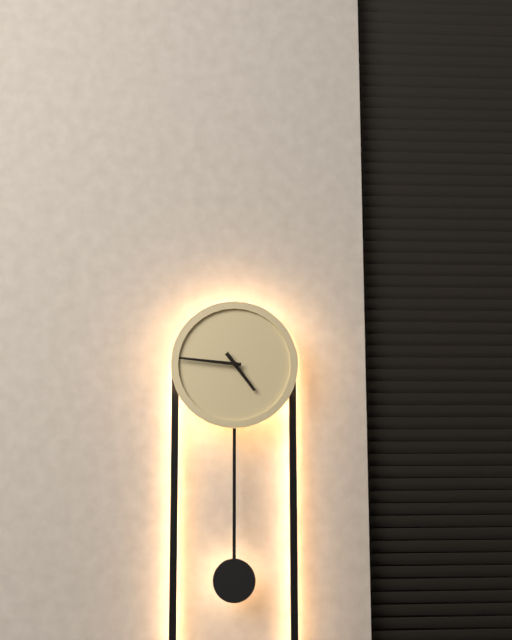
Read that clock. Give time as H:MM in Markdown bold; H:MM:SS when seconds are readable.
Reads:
**4:46**
